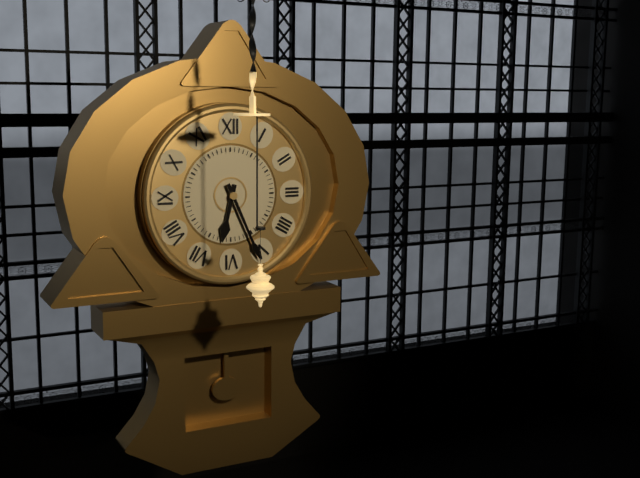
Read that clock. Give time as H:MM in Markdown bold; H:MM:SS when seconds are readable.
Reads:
**6:26**
